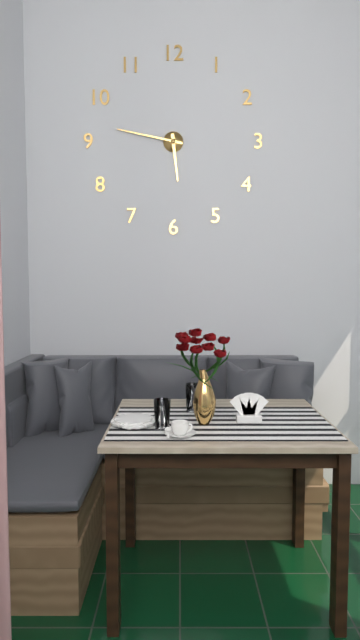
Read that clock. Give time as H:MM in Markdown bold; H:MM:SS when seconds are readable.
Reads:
**5:47**
